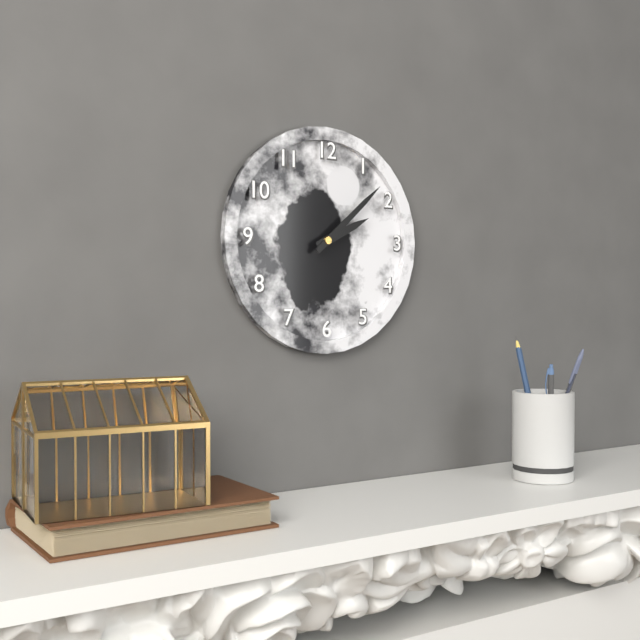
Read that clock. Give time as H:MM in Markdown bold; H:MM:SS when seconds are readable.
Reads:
**2:08**
